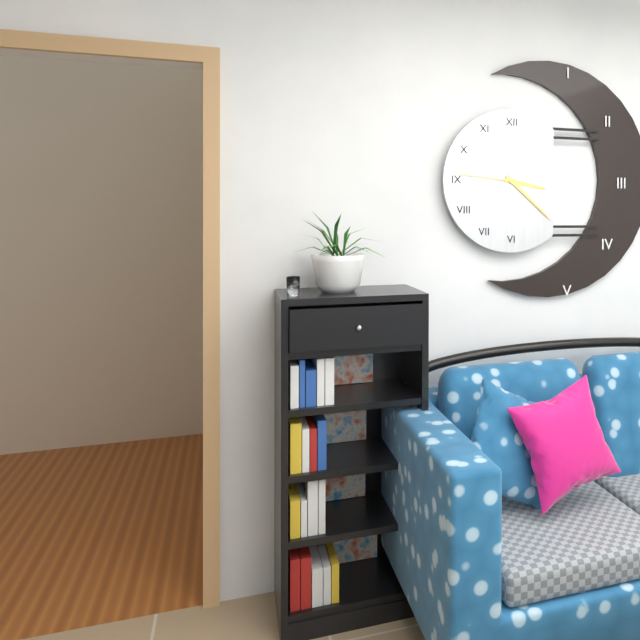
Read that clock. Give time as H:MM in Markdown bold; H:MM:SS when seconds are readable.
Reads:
**3:22:46**
